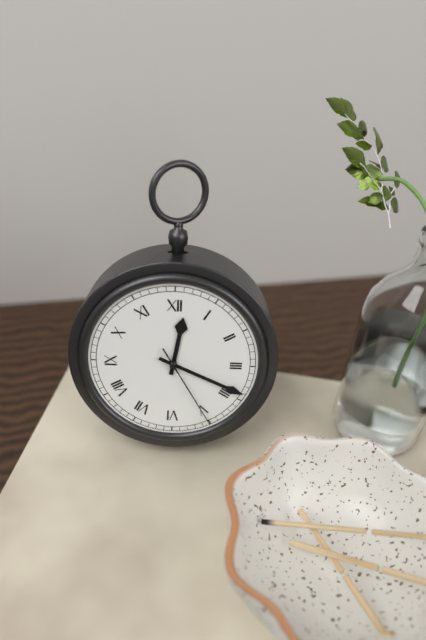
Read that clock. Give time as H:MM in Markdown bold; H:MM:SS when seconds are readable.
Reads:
**12:19:25**
